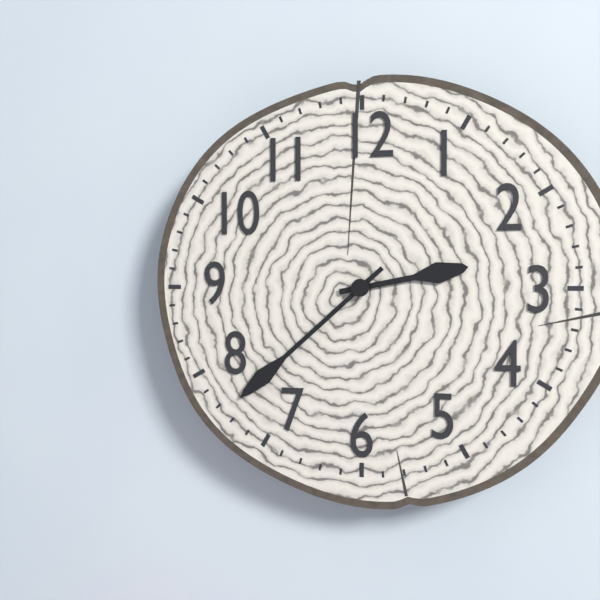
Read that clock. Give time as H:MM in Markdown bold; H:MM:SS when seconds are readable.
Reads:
**2:38**
